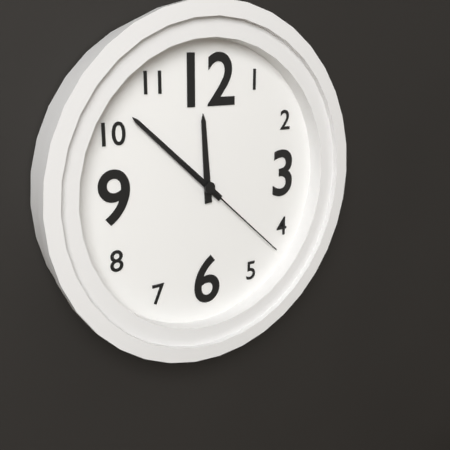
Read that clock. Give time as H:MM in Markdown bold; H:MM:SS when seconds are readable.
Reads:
**11:52:22**
